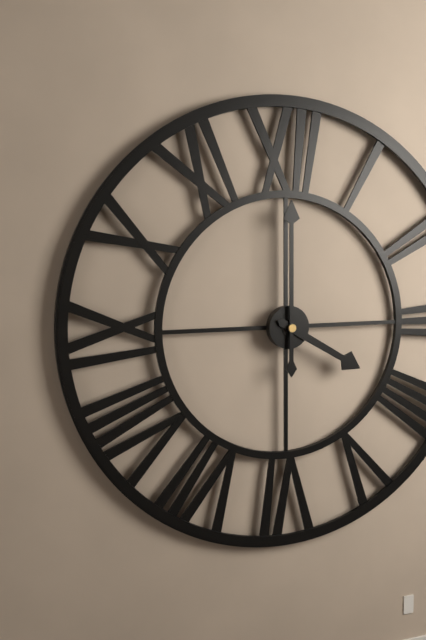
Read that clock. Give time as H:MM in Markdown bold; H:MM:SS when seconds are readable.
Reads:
**4:00**
